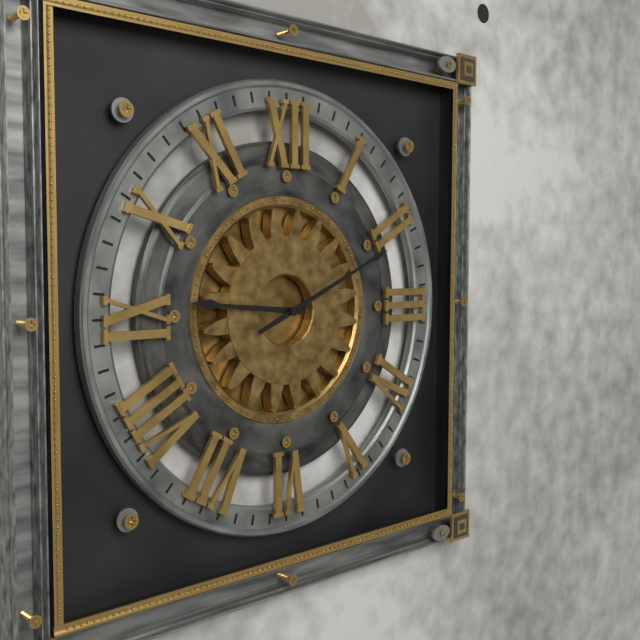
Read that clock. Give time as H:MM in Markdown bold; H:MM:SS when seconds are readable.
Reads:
**9:11**
